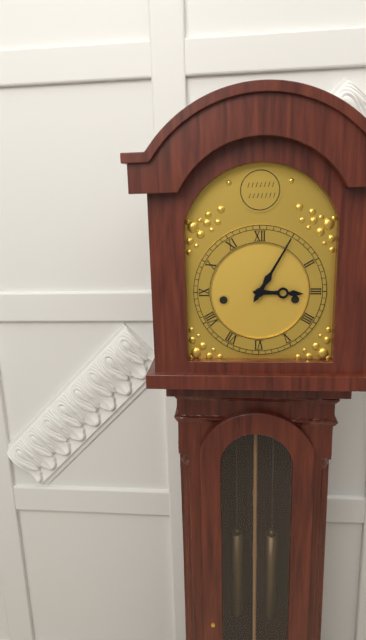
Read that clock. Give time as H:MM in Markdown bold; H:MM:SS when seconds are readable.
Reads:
**3:05**
